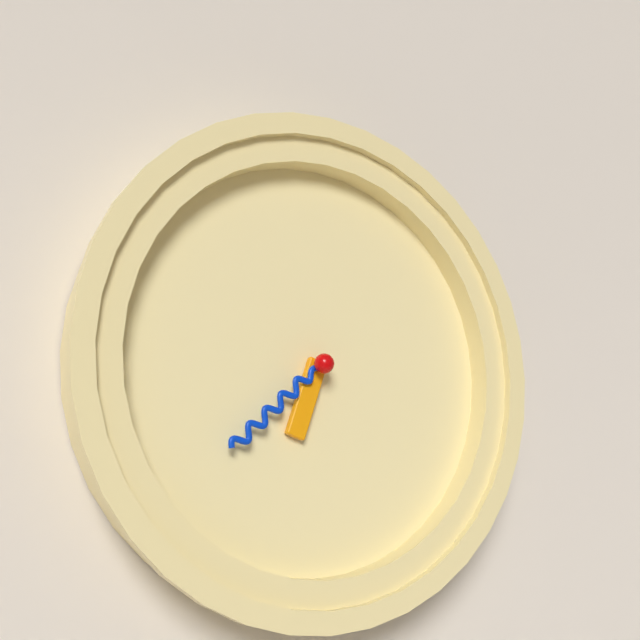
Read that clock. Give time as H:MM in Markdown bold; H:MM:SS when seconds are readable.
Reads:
**6:38**
